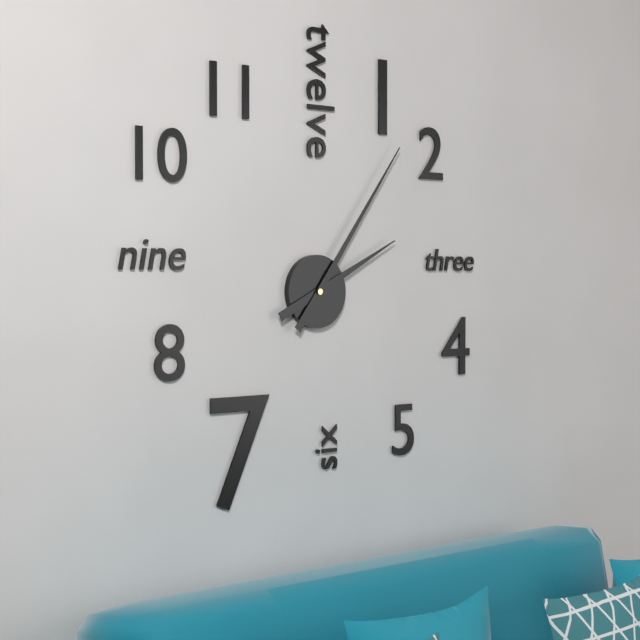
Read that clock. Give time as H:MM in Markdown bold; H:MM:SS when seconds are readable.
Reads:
**2:06**
